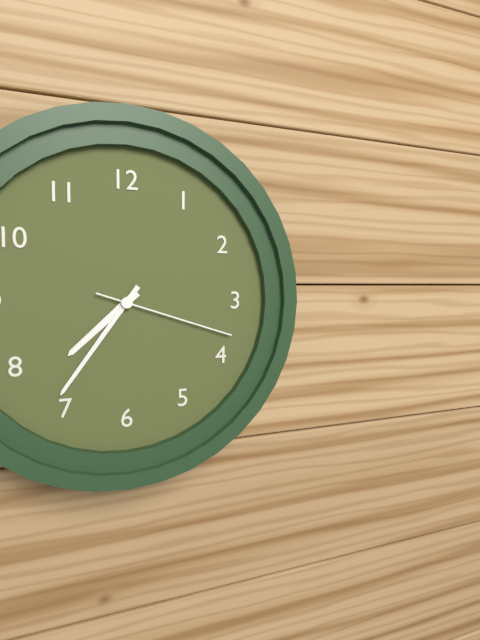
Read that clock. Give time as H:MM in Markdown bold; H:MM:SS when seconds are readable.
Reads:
**7:36:18**
